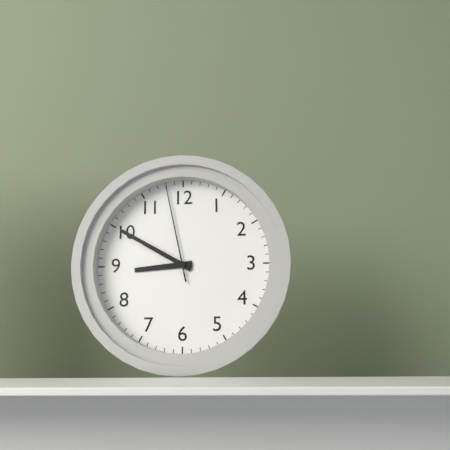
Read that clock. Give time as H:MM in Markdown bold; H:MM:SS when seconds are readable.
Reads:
**8:50:58**
